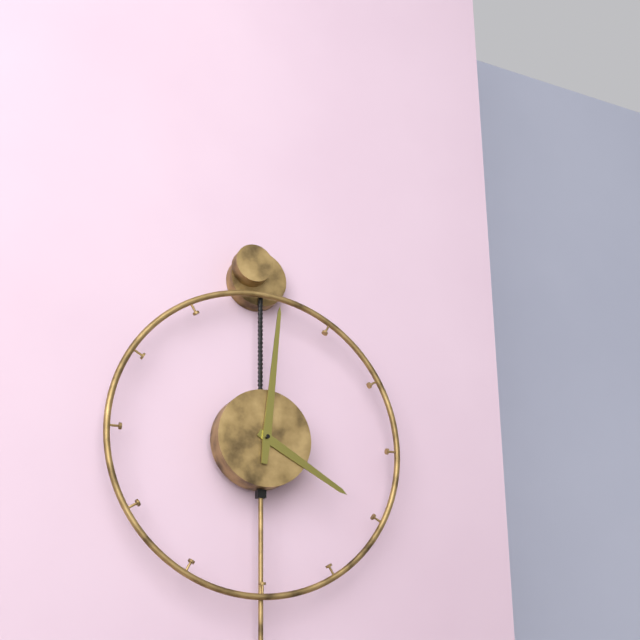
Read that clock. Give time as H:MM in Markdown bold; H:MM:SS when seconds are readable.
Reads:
**4:01**
